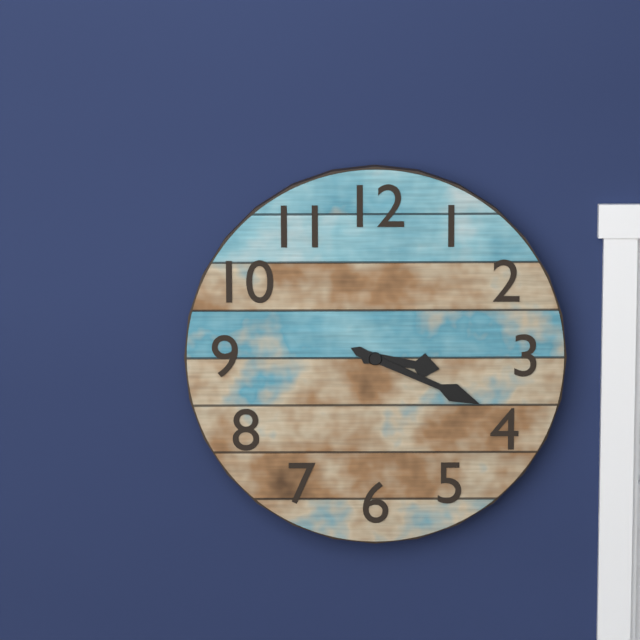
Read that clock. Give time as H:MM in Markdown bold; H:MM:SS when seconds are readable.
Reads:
**3:19**
